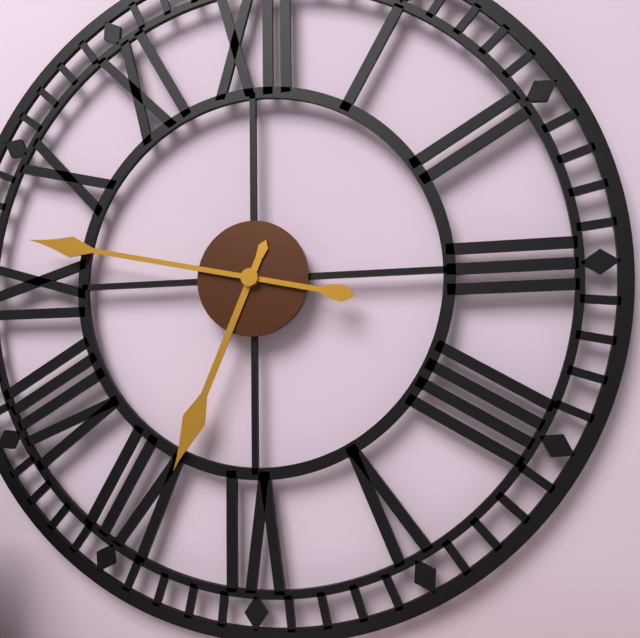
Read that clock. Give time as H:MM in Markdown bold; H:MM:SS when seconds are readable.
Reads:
**6:47**
